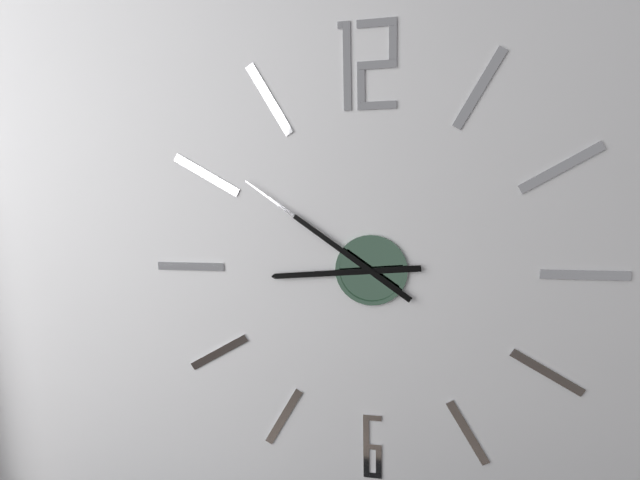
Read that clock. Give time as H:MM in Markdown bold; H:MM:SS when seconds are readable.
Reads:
**8:51**
